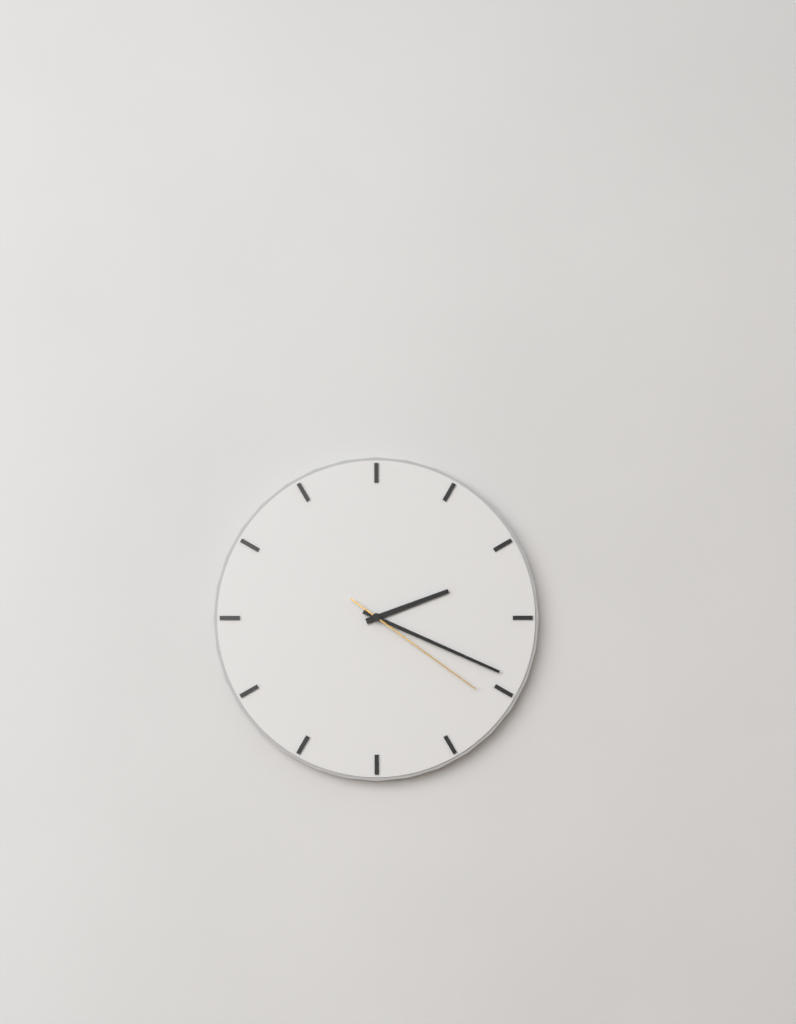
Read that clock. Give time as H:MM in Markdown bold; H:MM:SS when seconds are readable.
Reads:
**2:19:21**
